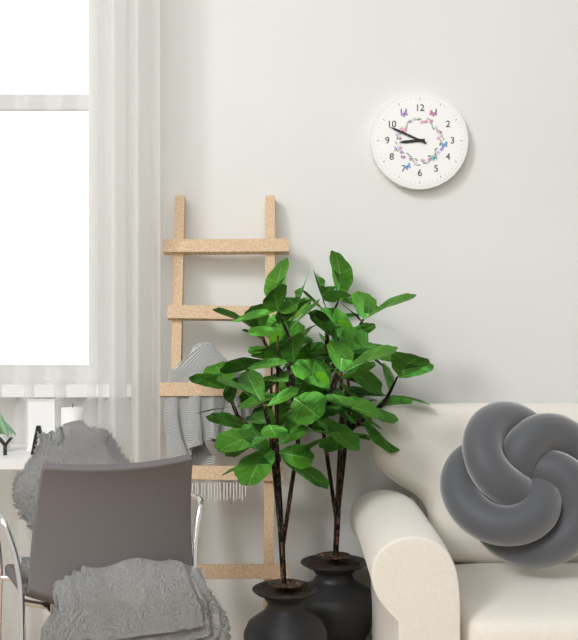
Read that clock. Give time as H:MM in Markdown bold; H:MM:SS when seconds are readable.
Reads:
**8:49**
